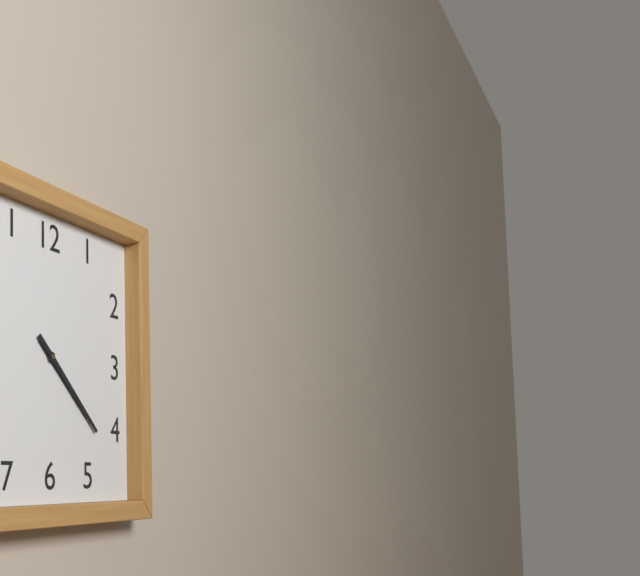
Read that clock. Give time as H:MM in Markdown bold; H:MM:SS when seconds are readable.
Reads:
**4:22**
